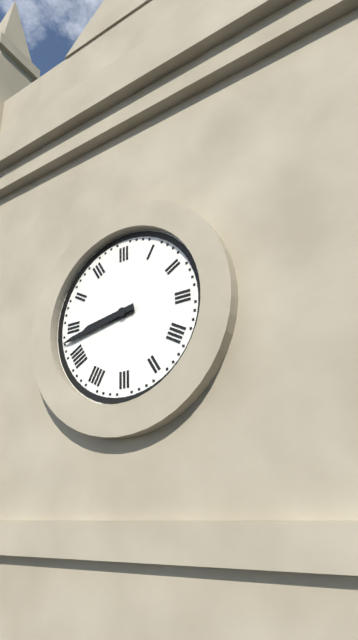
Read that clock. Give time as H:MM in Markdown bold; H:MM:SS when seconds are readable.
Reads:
**8:43**
